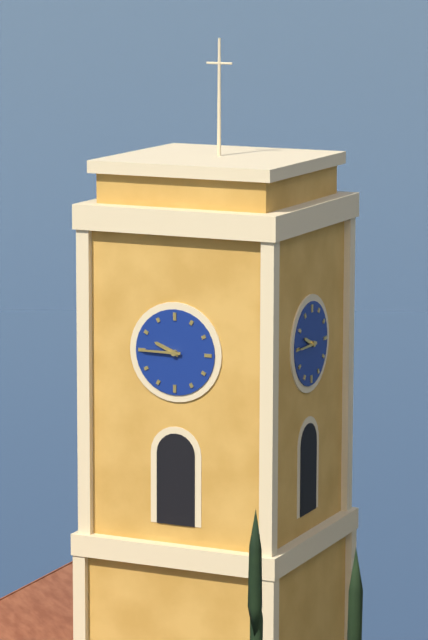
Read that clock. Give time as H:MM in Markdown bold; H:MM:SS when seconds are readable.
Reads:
**9:45**
